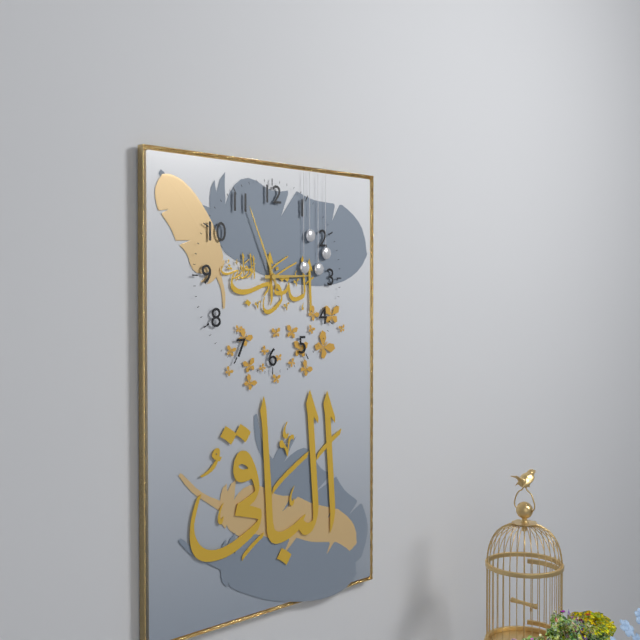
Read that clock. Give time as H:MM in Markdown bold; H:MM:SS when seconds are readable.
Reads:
**2:56**
